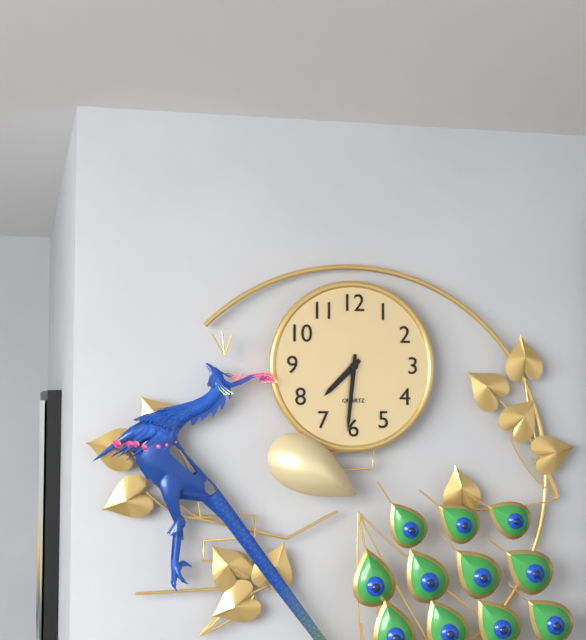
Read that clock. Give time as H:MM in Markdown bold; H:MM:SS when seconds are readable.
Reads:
**7:31**
